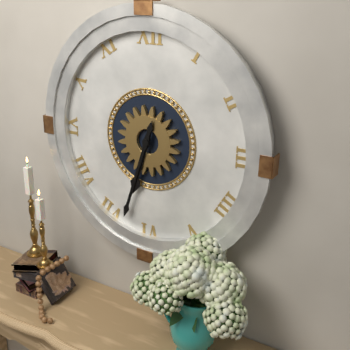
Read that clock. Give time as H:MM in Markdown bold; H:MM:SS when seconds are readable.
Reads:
**6:33**
